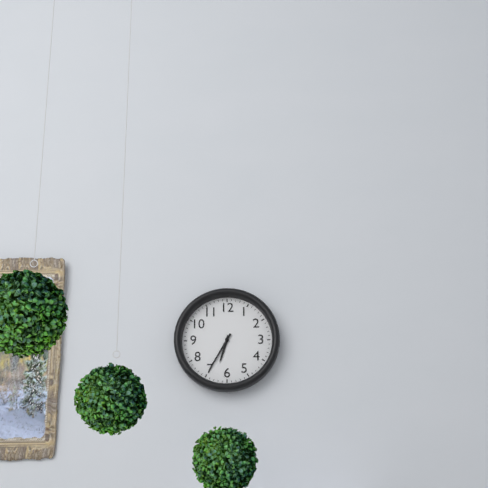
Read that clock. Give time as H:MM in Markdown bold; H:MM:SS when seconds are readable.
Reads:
**6:35**
